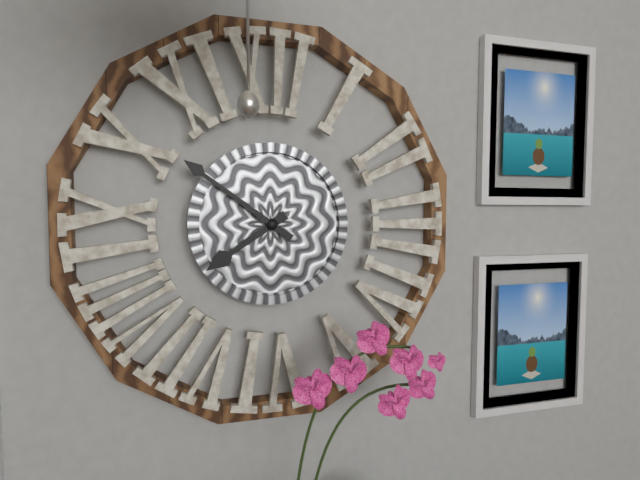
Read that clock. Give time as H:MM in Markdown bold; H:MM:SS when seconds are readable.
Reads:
**7:51**
